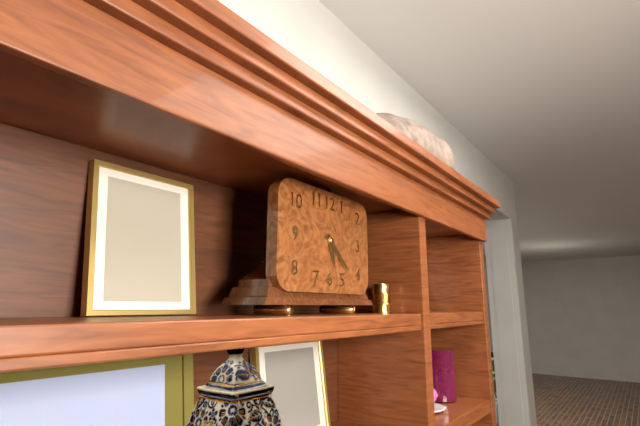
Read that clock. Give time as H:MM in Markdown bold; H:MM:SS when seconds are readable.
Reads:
**5:22**
